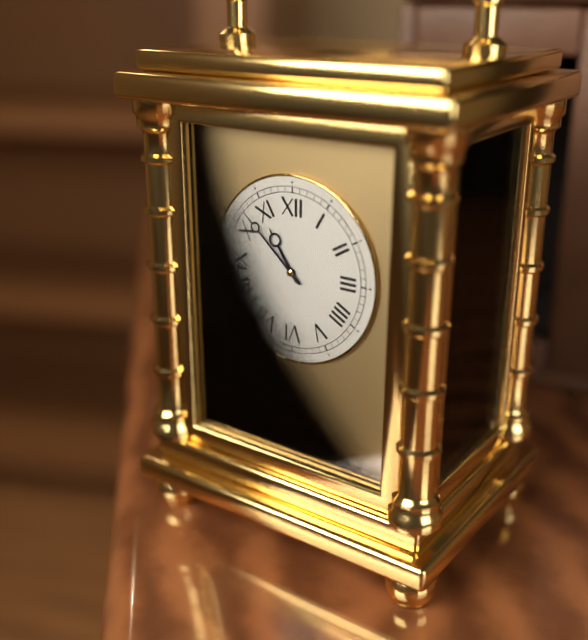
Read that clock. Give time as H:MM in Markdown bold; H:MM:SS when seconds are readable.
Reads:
**10:52**
